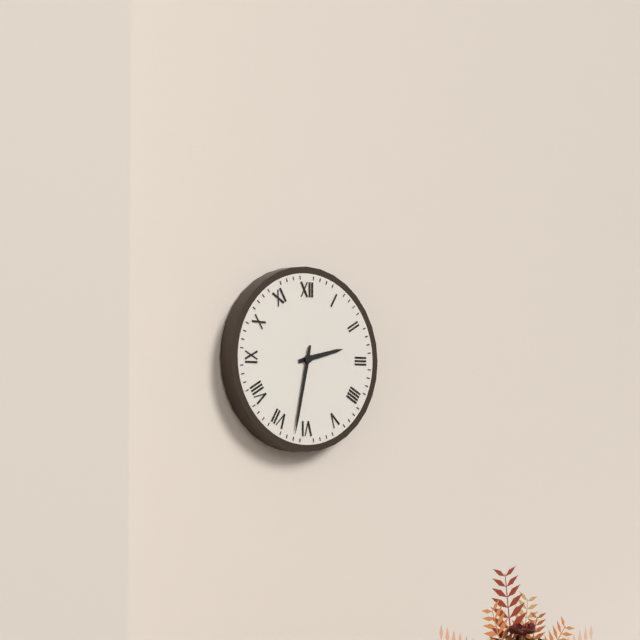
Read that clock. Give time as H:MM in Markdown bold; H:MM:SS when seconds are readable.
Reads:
**2:32**
